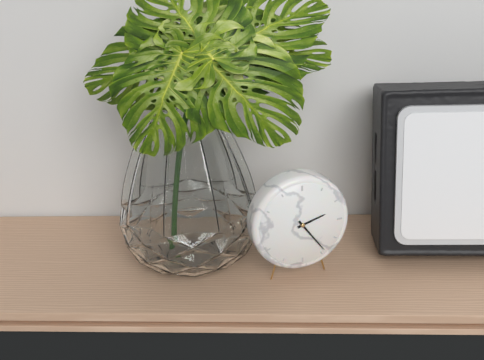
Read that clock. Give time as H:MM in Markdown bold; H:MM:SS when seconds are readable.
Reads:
**2:24**
